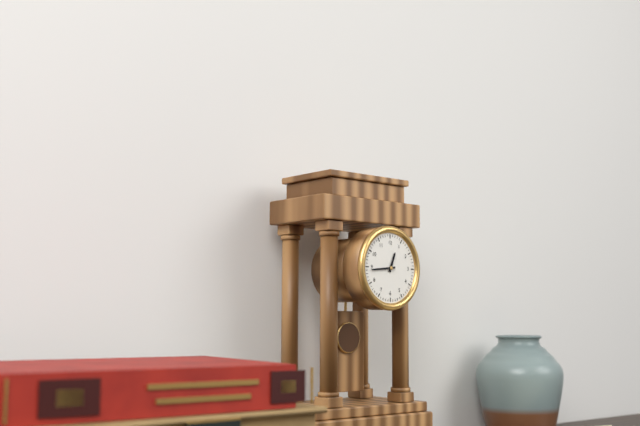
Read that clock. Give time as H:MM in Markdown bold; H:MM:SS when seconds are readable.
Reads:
**12:44**
